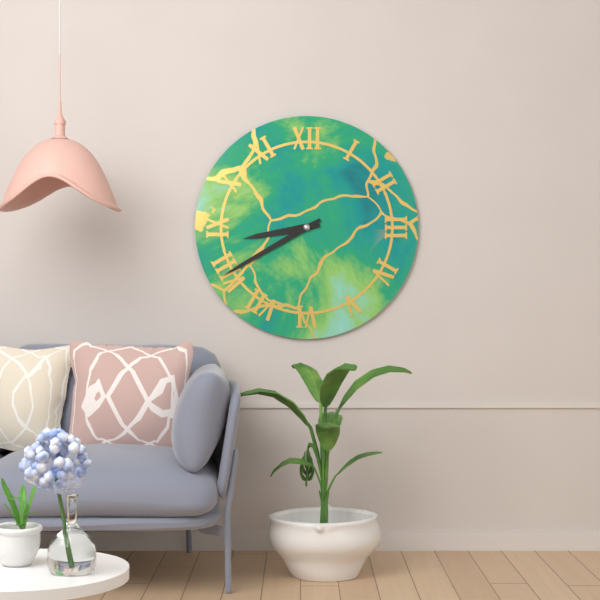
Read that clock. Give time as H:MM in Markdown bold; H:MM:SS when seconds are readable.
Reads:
**8:40**
